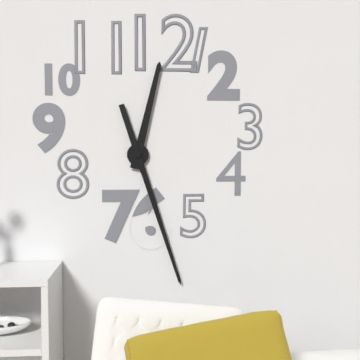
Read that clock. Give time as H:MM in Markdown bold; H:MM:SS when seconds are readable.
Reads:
**12:27**
